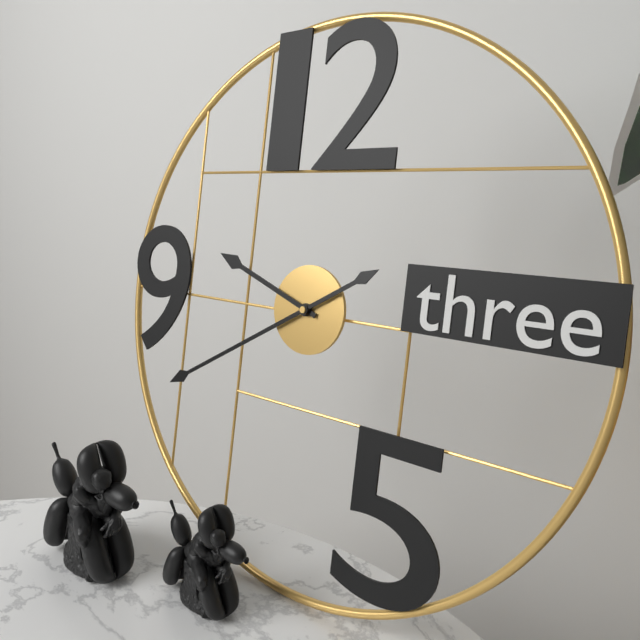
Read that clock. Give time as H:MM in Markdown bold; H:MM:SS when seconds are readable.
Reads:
**9:40**
